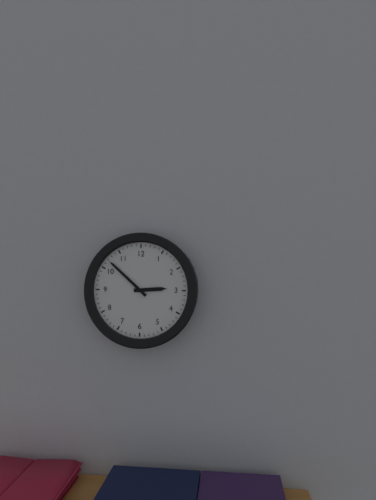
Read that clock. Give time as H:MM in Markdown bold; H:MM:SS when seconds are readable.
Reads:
**2:52**
